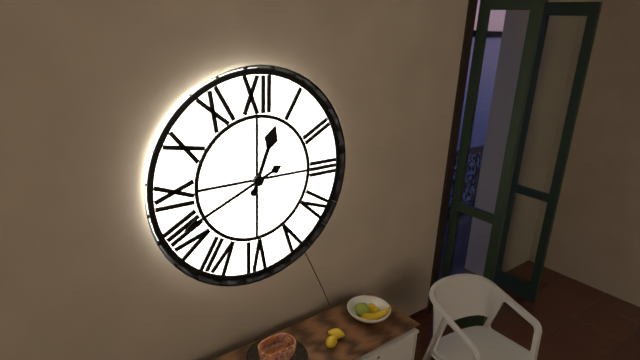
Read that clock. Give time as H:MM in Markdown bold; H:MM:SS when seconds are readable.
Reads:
**12:41**
